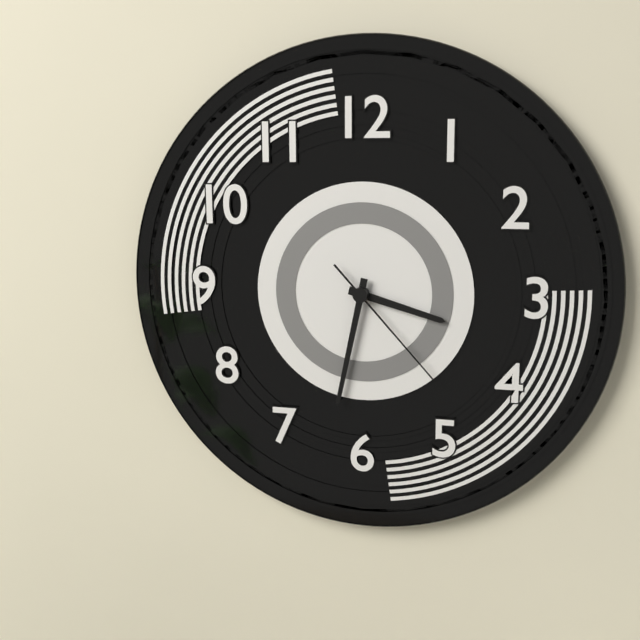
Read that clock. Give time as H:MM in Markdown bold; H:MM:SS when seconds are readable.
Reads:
**3:32:23**
